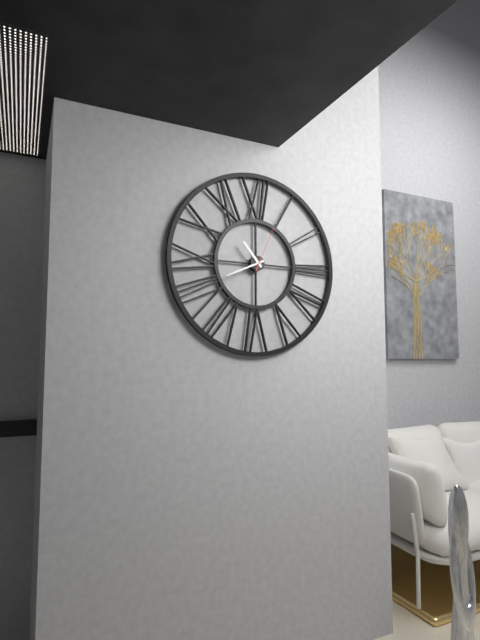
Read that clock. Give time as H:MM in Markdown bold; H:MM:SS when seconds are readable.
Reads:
**10:41:04**
